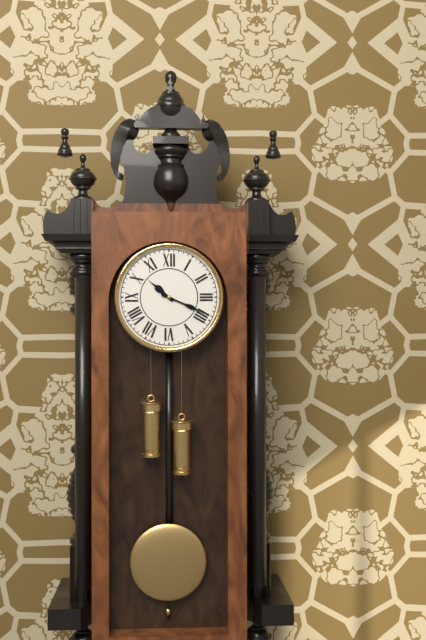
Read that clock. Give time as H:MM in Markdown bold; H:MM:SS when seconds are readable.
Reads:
**10:19**
